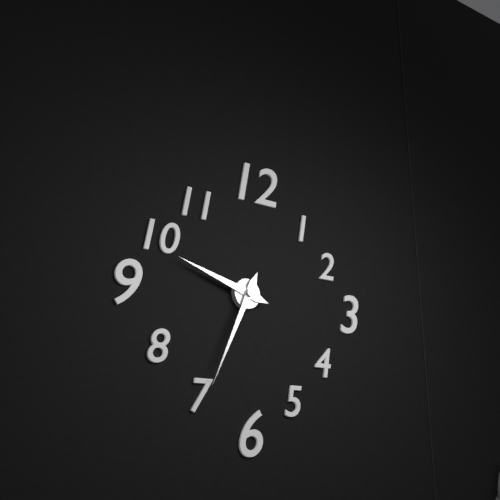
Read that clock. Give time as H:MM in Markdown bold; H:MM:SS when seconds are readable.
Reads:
**9:34**
